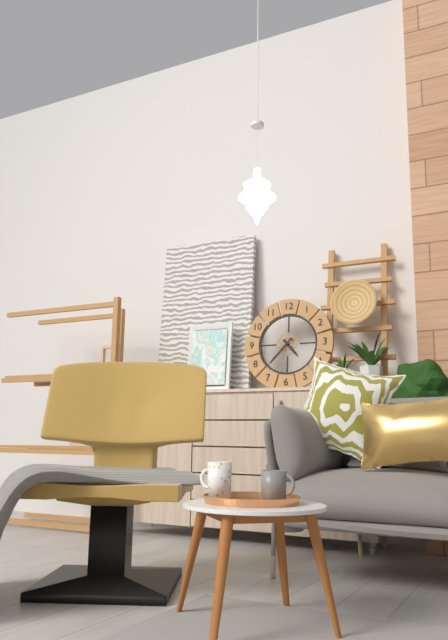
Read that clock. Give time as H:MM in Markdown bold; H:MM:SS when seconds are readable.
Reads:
**4:37**
